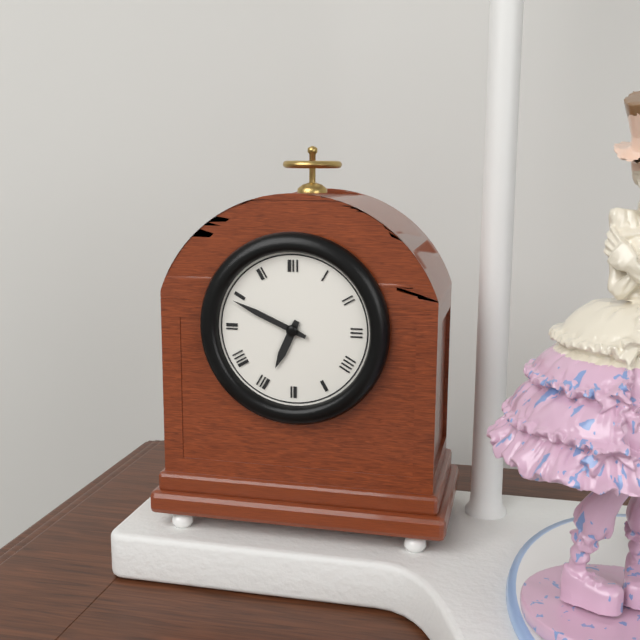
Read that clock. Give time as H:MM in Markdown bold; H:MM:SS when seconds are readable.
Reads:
**6:49**
